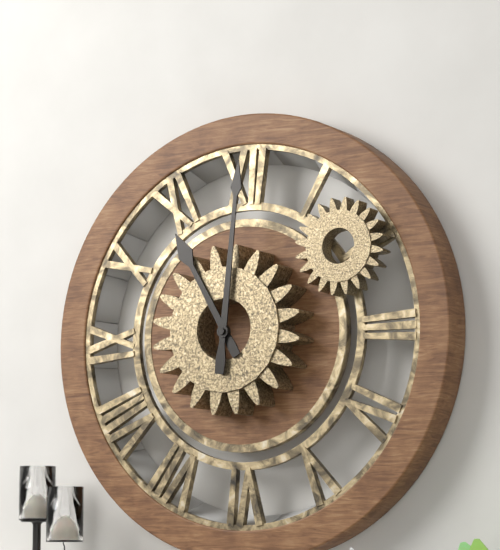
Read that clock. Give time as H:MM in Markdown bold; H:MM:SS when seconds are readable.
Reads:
**11:01**
